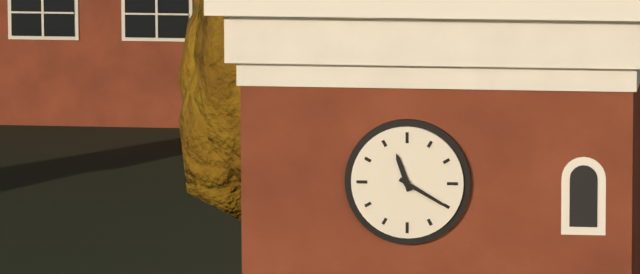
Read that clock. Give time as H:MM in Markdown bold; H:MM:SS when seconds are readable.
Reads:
**11:20**
